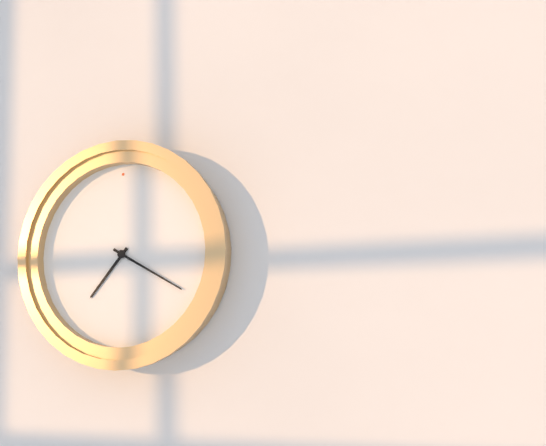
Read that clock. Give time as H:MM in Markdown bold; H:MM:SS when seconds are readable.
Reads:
**7:20**
